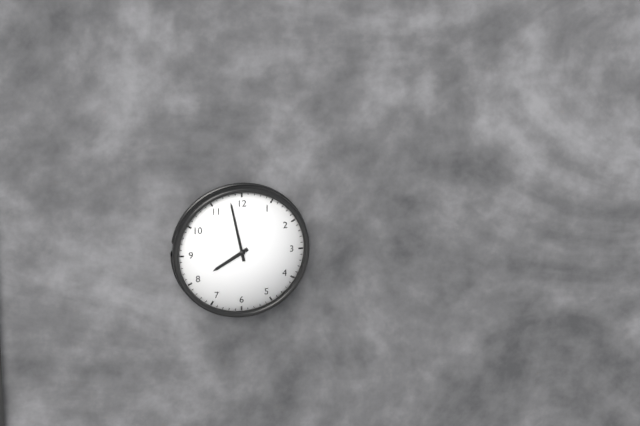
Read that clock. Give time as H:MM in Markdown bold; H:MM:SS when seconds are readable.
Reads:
**7:58**
